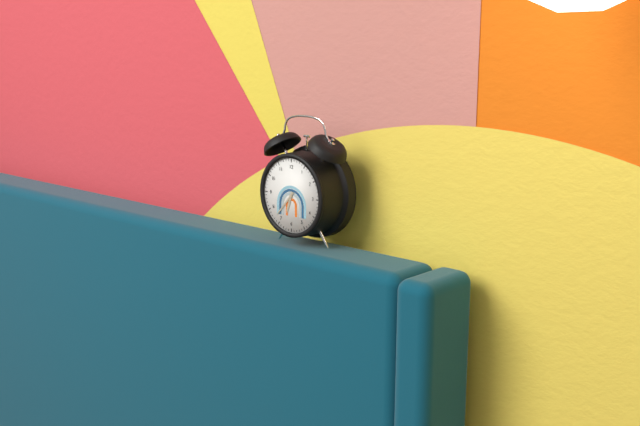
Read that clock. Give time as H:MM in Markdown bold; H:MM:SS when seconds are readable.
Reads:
**6:37**
